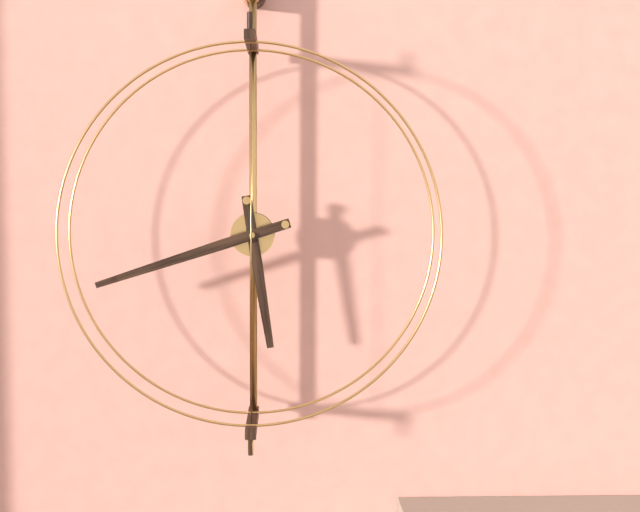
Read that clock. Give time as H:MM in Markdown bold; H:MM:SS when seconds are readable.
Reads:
**5:42**
